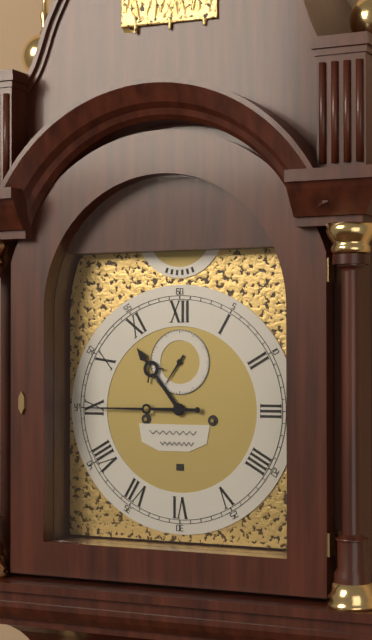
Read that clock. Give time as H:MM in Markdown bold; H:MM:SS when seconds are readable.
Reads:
**10:45**
